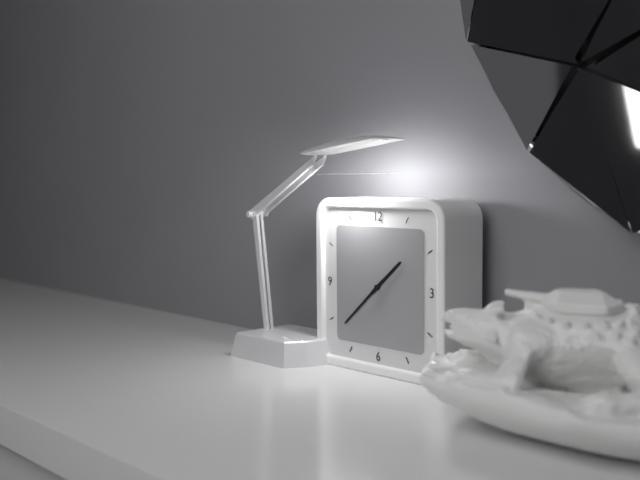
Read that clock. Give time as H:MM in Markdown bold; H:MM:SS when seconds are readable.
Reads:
**1:38**
